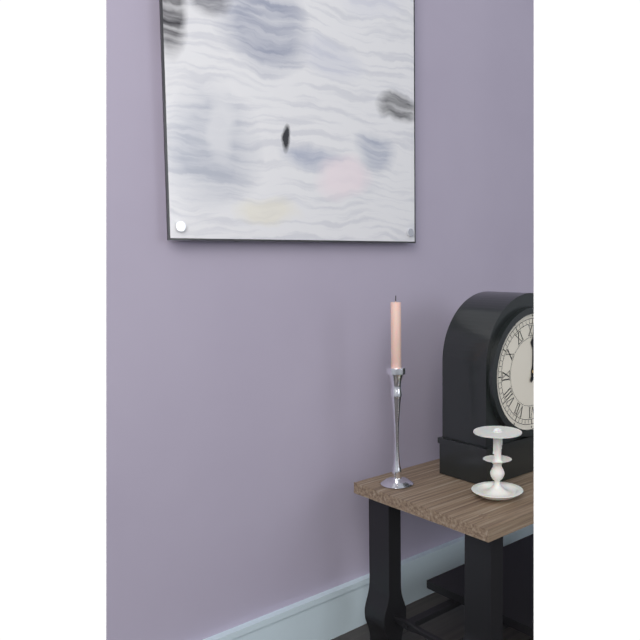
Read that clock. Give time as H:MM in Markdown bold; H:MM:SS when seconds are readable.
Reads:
**12:03**
